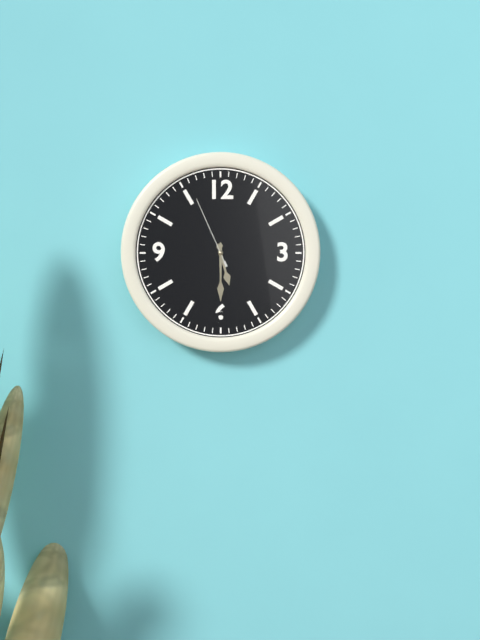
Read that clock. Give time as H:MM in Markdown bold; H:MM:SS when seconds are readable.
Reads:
**5:30:56**
